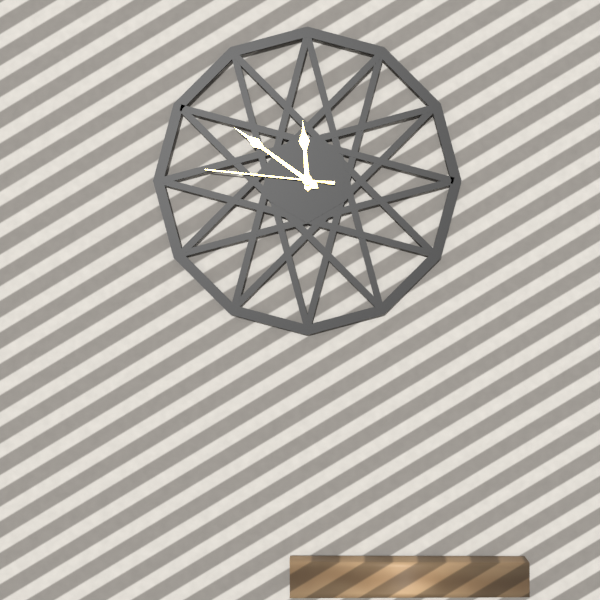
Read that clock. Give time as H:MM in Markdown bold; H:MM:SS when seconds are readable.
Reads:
**11:51:46**
